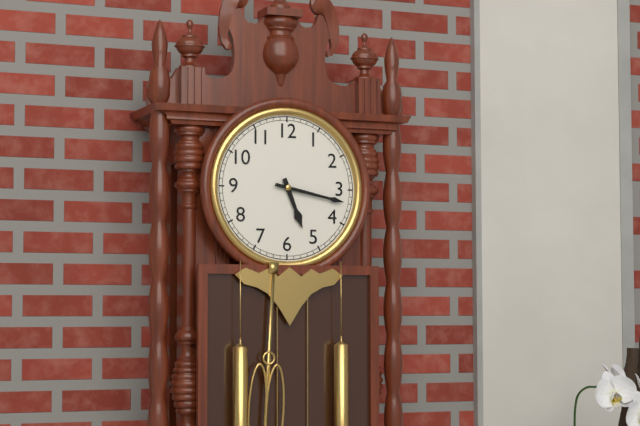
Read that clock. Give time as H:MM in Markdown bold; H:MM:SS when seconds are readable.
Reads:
**5:17**
